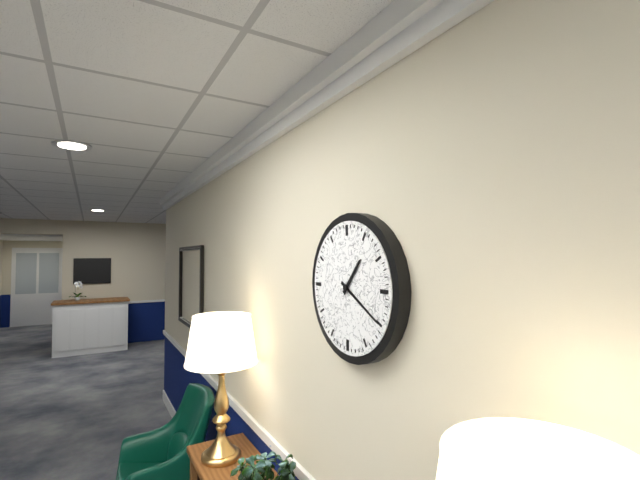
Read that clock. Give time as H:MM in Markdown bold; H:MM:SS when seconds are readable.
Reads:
**1:20**
